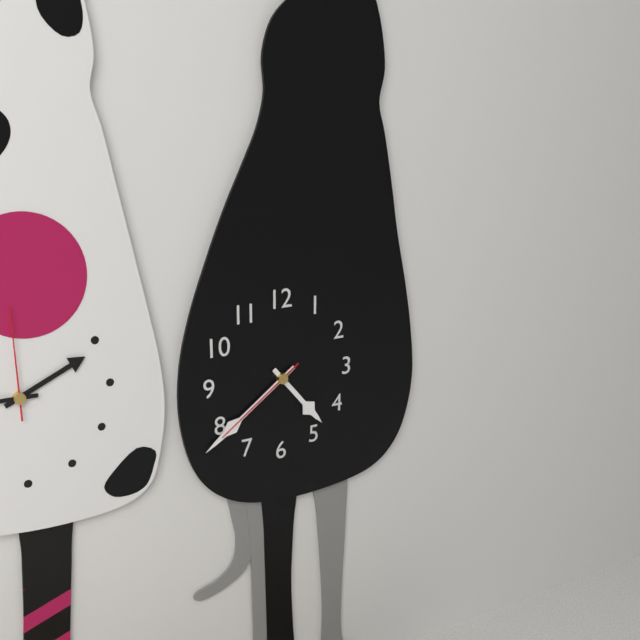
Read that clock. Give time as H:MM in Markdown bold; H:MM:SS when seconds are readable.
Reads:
**4:39:39**
